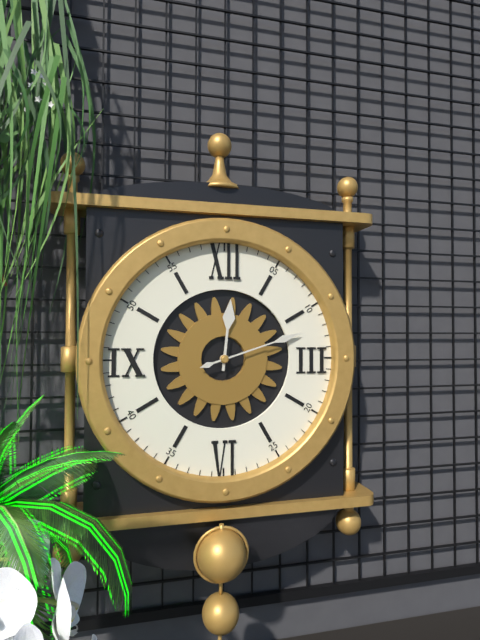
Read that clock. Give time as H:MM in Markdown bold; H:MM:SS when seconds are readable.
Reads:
**12:12**
